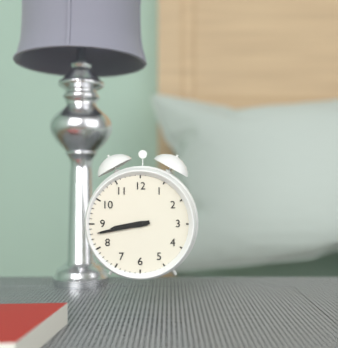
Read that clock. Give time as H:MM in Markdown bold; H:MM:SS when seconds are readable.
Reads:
**8:43**
